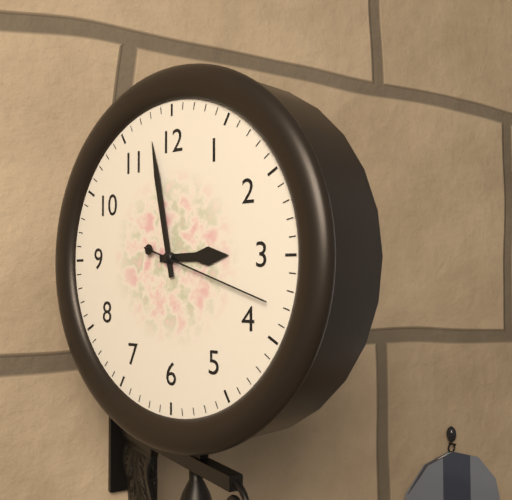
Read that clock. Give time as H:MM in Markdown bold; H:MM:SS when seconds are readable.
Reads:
**2:58:18**
